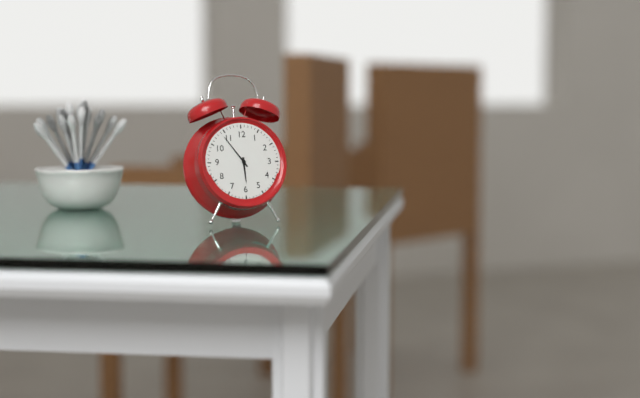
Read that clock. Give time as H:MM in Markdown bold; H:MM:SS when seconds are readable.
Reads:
**5:54**
